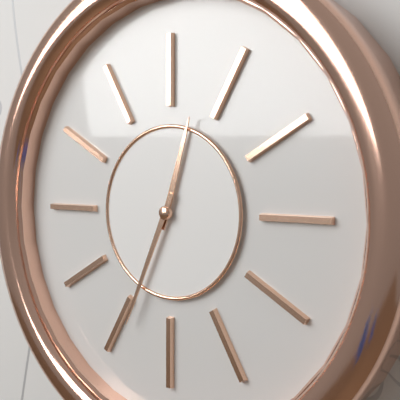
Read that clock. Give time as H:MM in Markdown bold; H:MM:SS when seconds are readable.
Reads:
**12:34**
